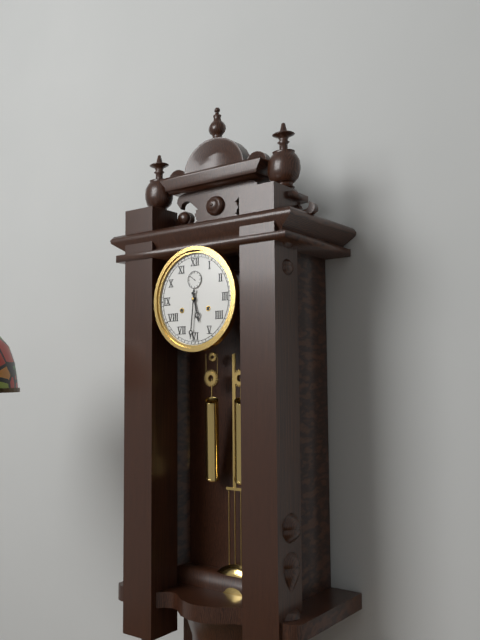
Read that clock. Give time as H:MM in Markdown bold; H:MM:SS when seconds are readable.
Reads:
**5:31**
